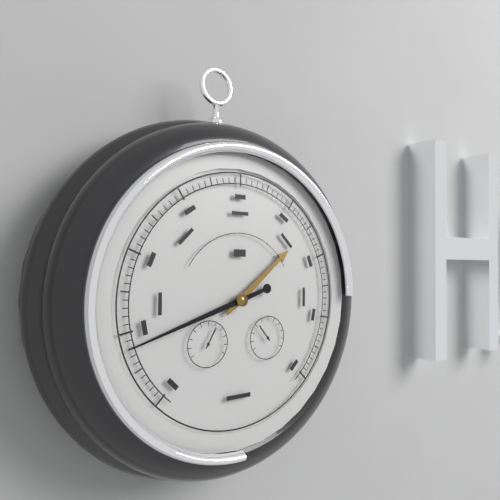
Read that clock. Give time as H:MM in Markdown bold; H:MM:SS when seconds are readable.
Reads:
**1:42**
